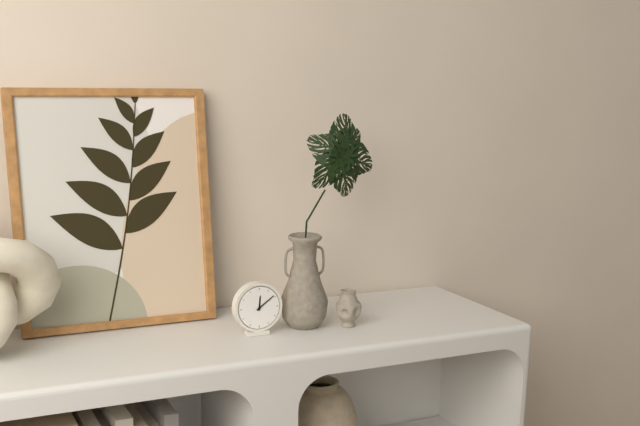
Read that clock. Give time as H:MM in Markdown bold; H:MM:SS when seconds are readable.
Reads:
**12:09**
